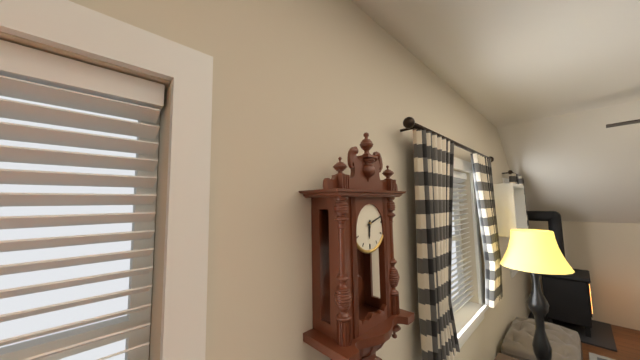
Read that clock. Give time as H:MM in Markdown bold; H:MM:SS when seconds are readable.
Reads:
**6:12**
